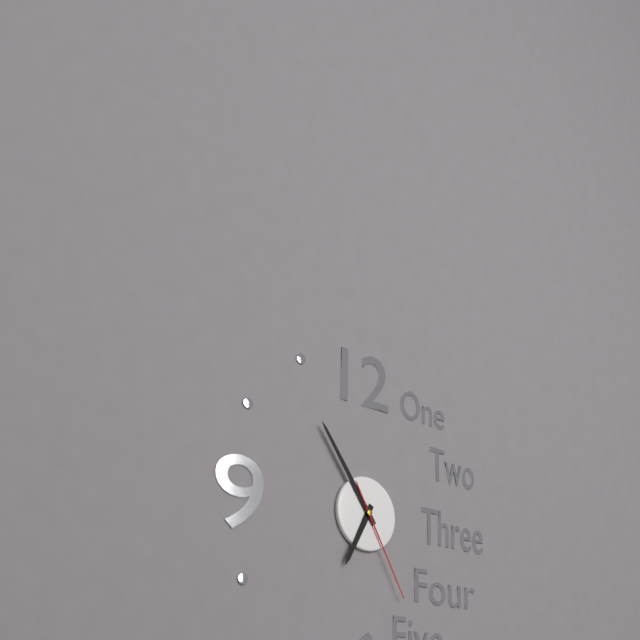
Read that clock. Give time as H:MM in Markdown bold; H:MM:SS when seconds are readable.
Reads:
**6:54:25**
